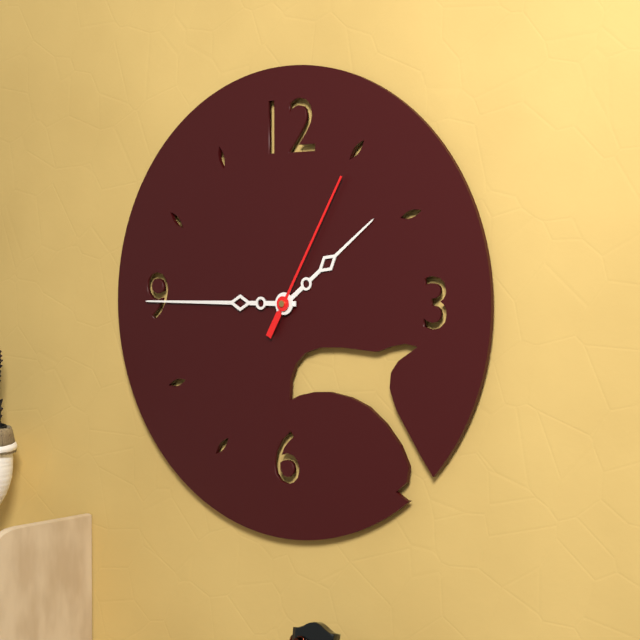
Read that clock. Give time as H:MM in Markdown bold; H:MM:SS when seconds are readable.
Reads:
**1:45:05**
